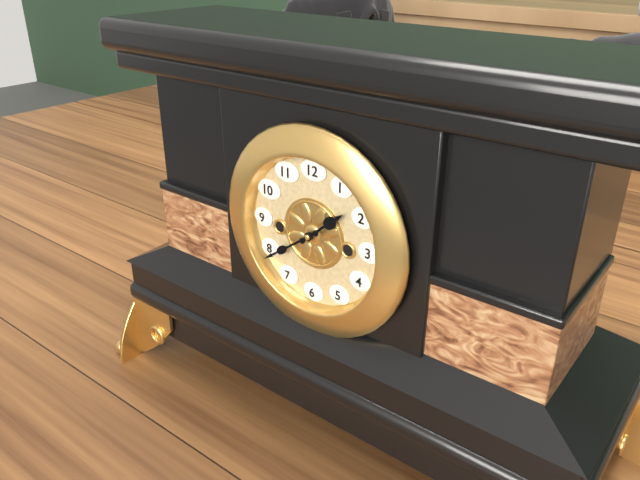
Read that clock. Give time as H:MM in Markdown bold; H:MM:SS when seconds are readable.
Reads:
**1:39**
